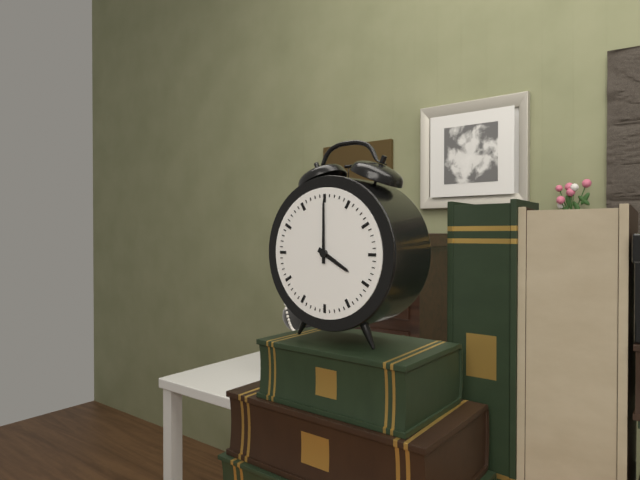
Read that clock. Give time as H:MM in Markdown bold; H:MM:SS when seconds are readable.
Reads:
**4:00**
